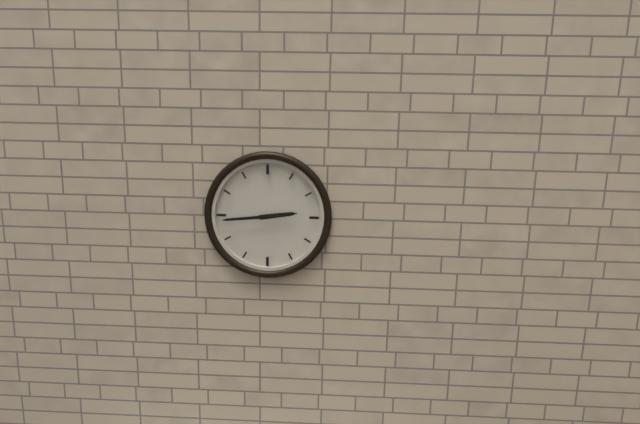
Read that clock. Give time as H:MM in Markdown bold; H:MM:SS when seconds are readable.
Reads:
**2:44**
